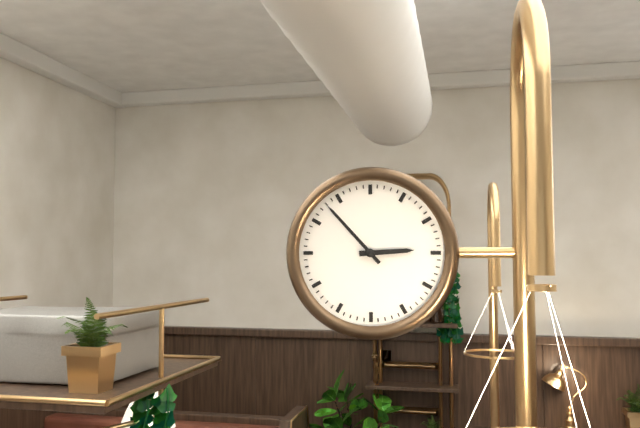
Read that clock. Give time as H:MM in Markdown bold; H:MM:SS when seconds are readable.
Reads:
**2:53**
